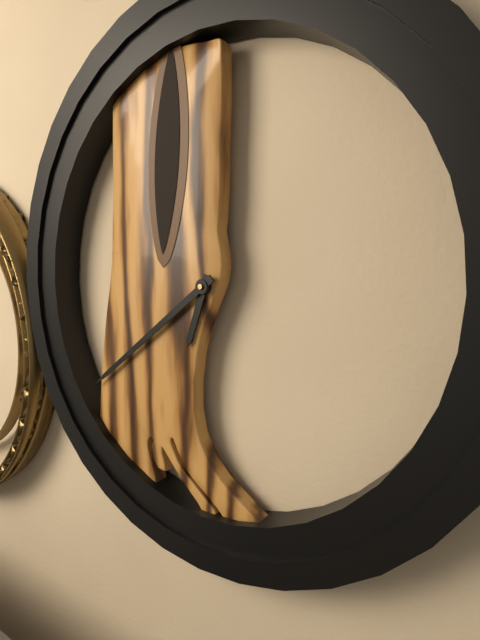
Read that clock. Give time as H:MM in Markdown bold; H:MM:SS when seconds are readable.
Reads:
**6:39**
